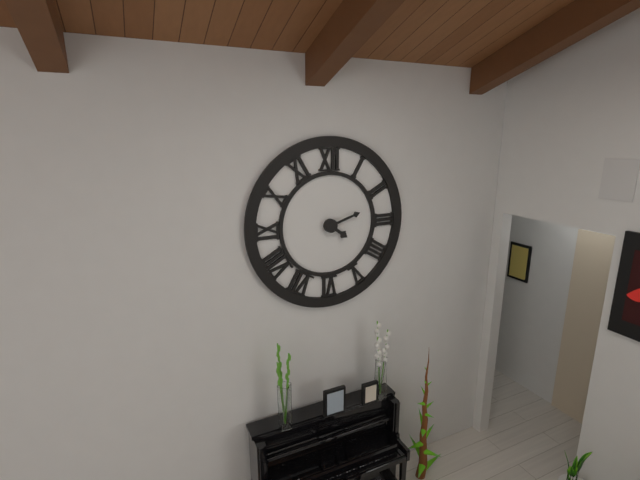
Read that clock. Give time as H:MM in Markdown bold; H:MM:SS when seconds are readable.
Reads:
**4:12**
